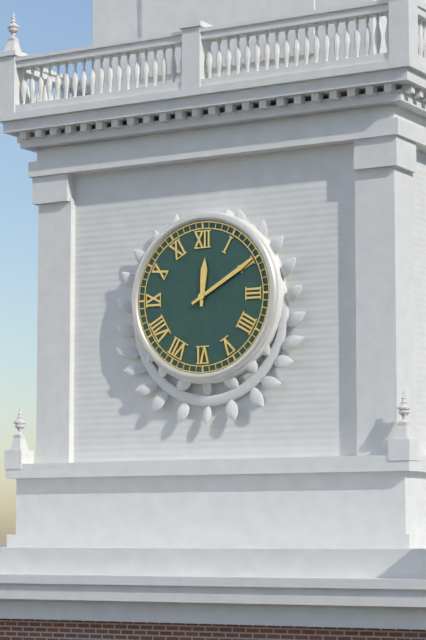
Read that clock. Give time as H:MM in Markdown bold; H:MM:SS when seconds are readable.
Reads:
**12:10**
